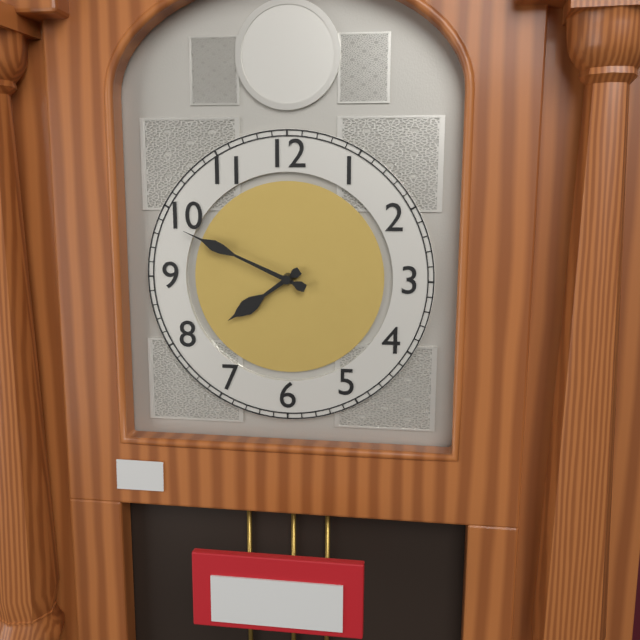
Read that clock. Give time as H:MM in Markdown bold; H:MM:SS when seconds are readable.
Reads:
**7:49**
